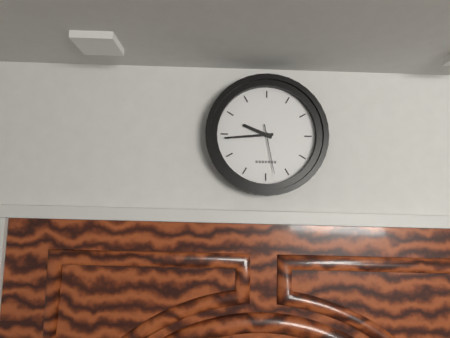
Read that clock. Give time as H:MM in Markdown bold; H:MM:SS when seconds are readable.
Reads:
**9:44**
